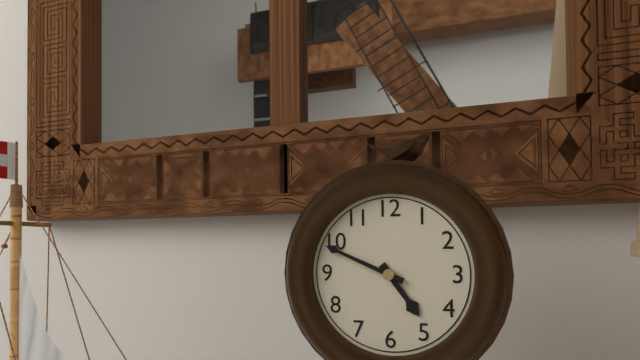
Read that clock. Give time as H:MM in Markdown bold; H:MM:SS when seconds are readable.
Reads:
**4:49**
